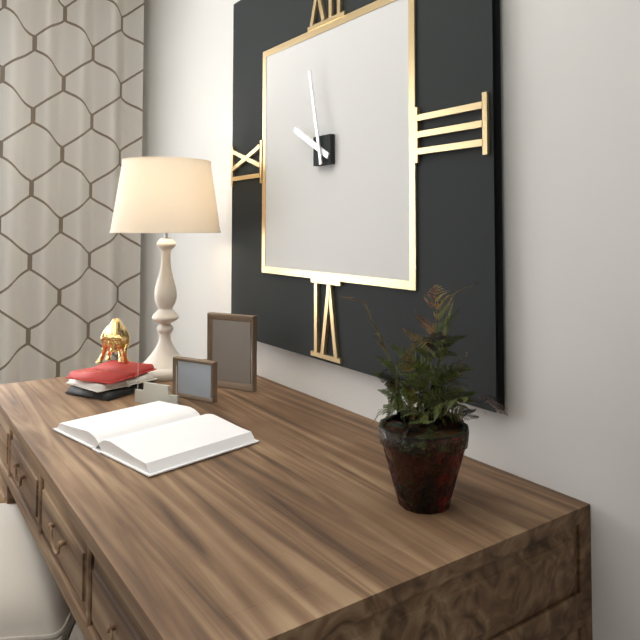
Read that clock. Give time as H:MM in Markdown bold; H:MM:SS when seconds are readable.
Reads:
**9:58**
